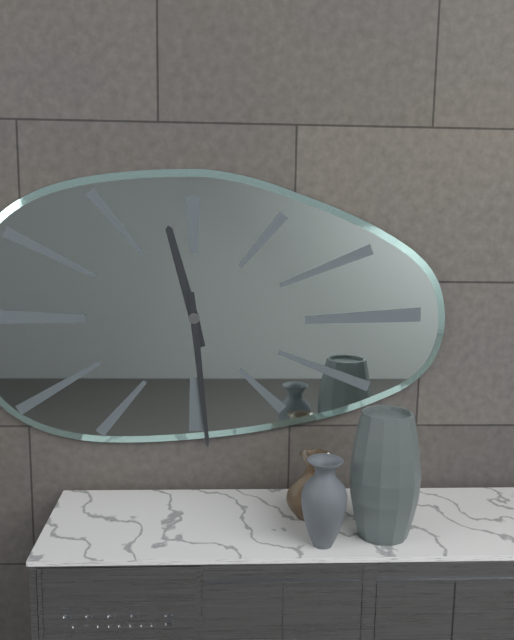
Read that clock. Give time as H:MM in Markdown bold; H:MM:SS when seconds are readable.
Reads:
**11:29**
